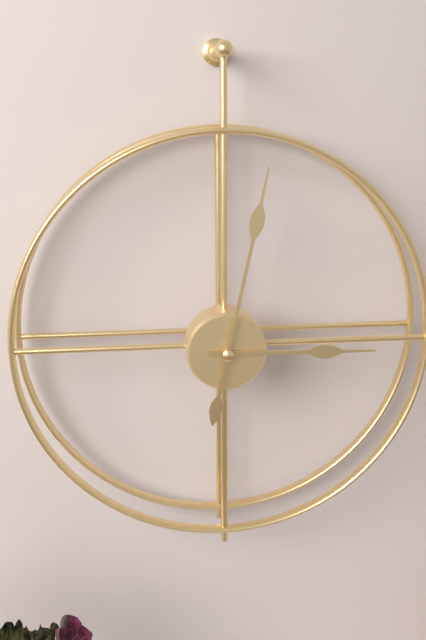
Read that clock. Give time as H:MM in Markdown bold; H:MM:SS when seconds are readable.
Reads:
**3:02**
